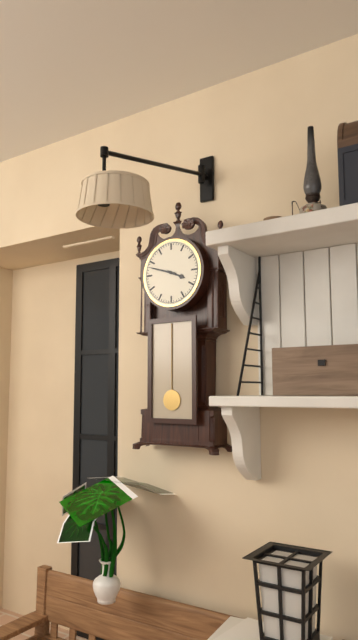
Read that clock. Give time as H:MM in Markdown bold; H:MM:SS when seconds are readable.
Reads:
**3:48**
